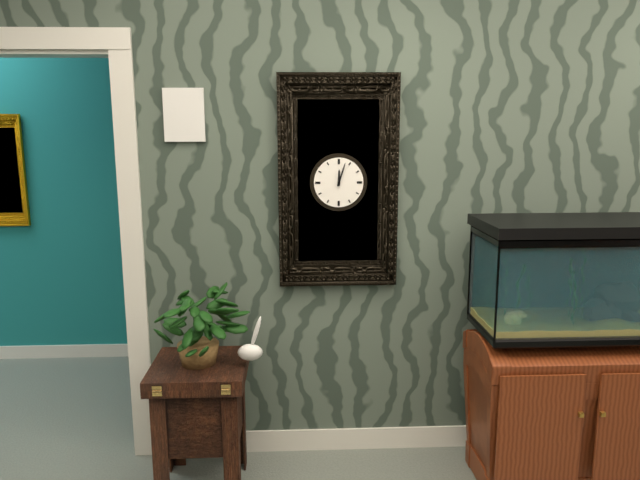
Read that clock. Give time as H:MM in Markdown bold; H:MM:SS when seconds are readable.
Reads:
**12:03**
